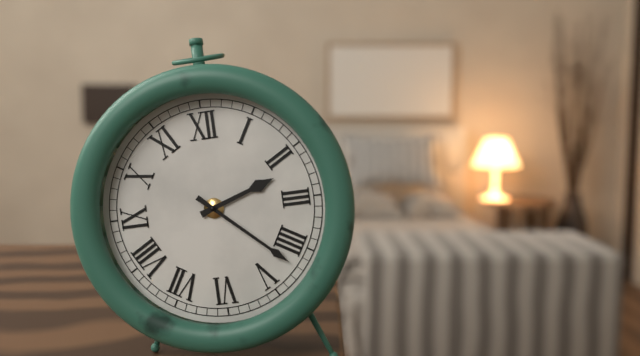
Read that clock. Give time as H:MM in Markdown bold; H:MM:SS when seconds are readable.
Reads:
**2:22**
